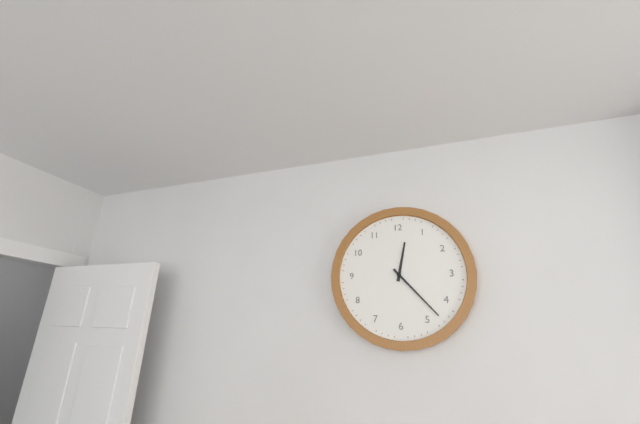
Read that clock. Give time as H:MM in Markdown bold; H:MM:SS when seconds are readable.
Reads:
**12:23**
